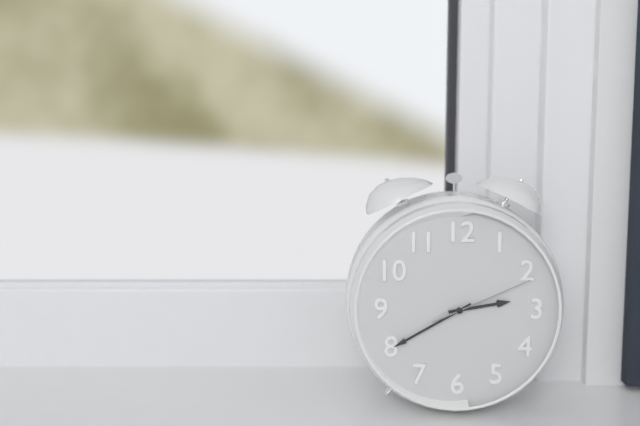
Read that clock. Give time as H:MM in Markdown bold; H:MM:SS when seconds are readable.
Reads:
**2:40:11**
